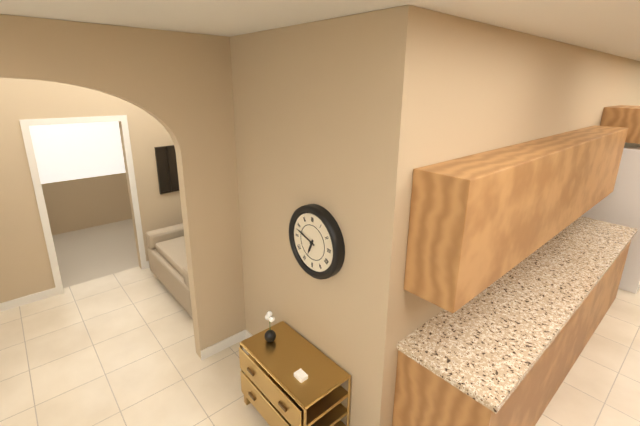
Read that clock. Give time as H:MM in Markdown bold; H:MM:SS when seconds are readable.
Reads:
**6:48**
